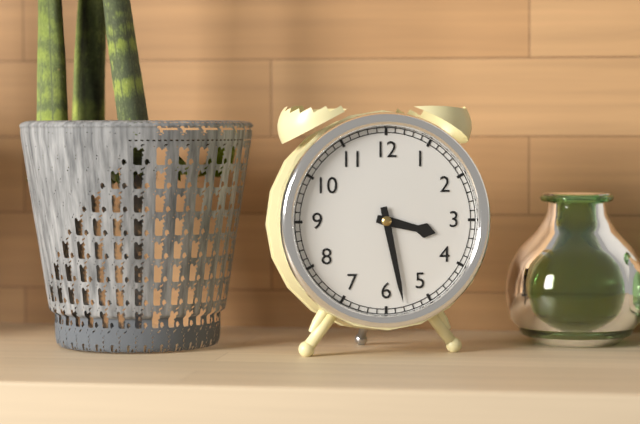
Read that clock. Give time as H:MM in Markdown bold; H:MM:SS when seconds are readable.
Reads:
**3:28**
